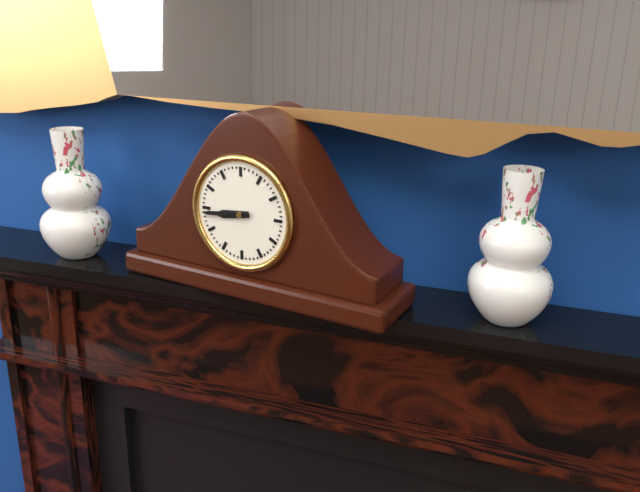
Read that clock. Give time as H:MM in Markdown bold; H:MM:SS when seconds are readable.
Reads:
**8:44**
